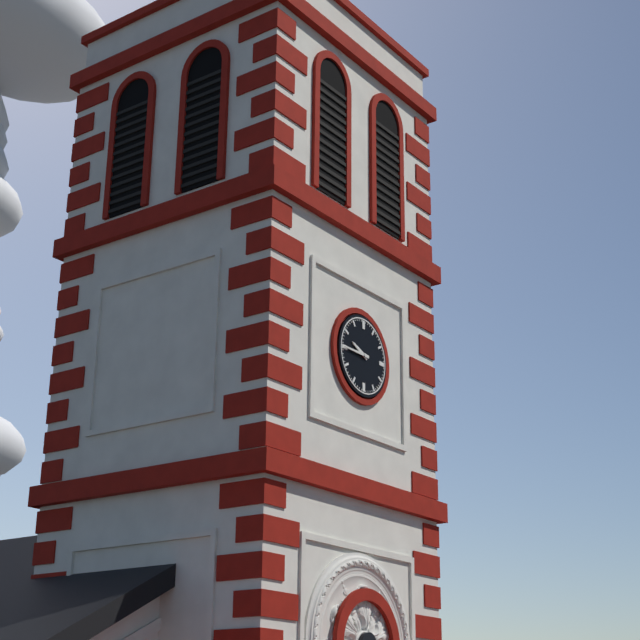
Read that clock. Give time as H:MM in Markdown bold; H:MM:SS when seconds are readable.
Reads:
**9:45**
